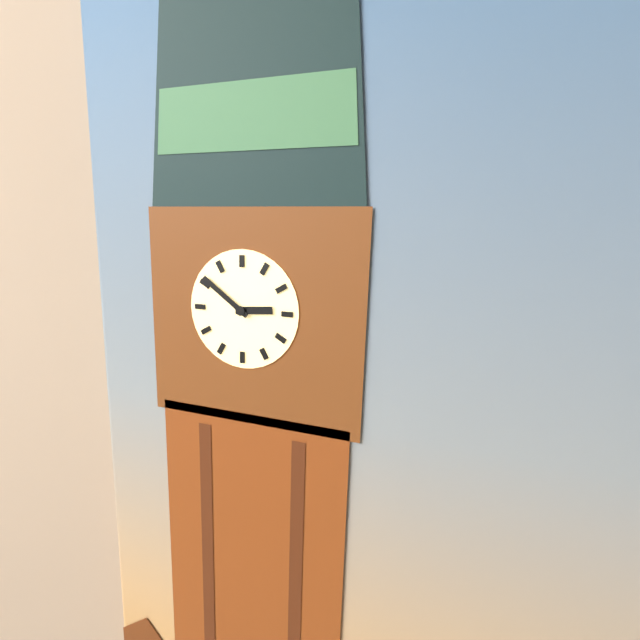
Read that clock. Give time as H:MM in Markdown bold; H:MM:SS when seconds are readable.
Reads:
**2:51**
